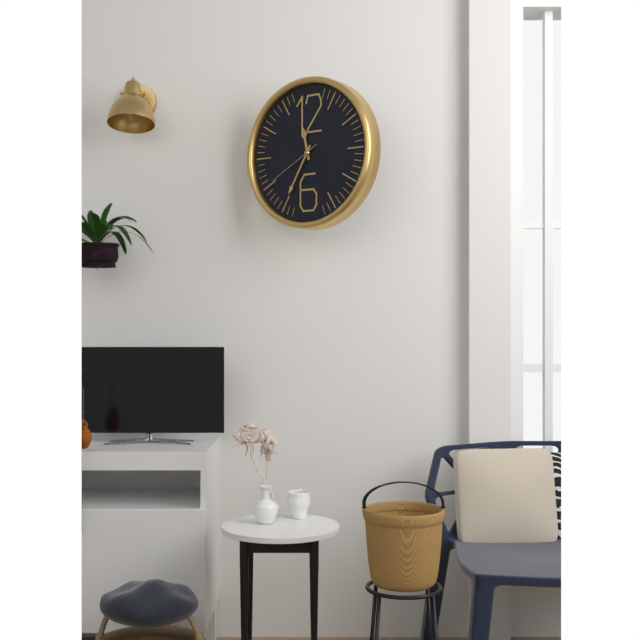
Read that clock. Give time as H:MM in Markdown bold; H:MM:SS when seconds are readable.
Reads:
**11:35:40**
